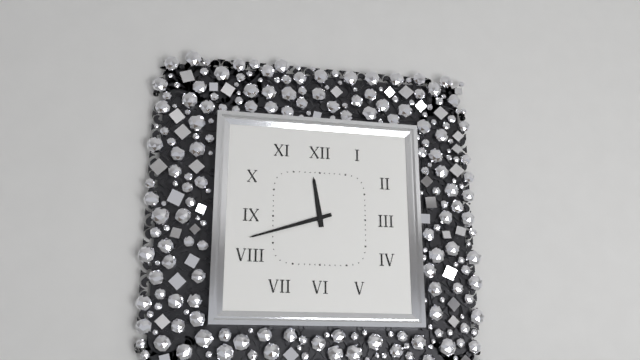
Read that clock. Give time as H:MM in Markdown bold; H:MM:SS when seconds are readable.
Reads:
**11:42**
